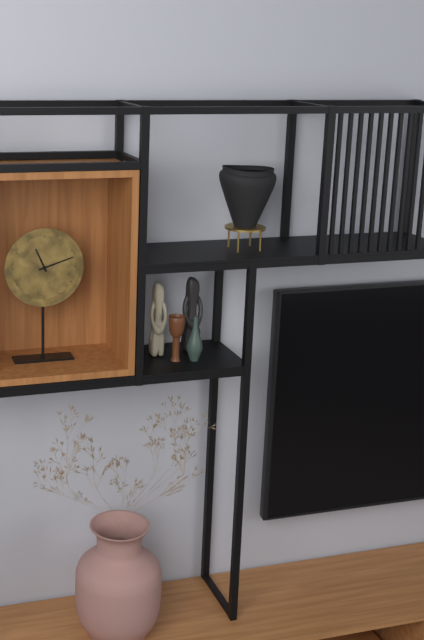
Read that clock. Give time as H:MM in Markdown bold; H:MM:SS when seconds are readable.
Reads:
**11:12**
